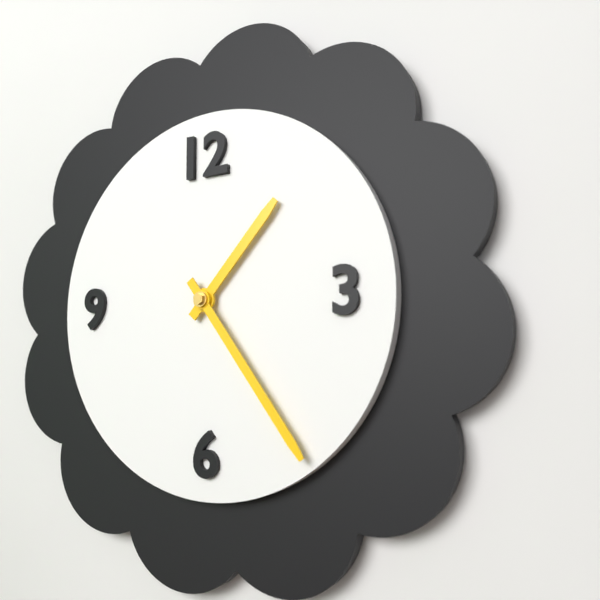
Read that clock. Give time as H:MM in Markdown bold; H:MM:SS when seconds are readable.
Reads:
**1:24**
